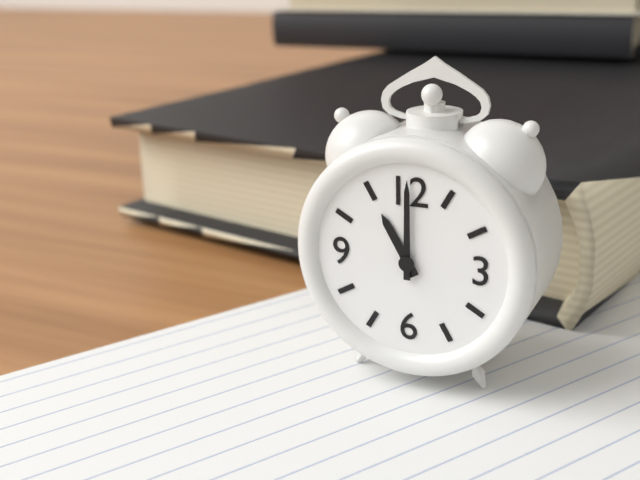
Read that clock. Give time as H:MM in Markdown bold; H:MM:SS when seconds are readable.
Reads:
**11:00**
